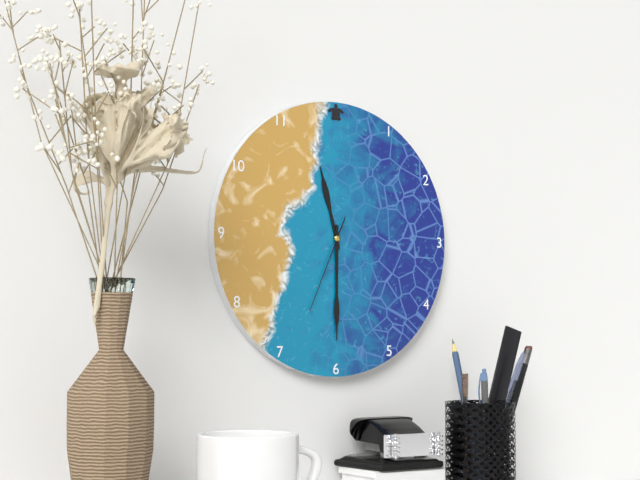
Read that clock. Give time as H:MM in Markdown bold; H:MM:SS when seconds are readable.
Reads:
**11:30:34**
